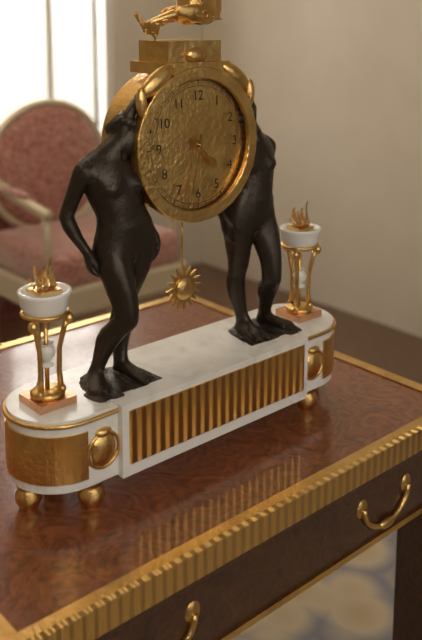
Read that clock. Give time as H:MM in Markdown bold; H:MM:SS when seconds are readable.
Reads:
**4:32**
